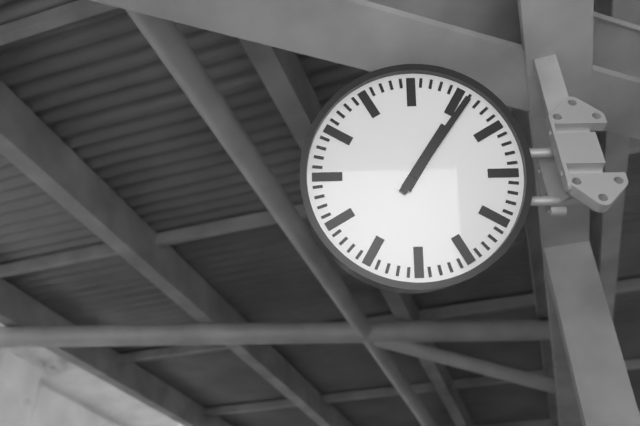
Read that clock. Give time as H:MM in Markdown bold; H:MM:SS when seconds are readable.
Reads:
**1:06**
